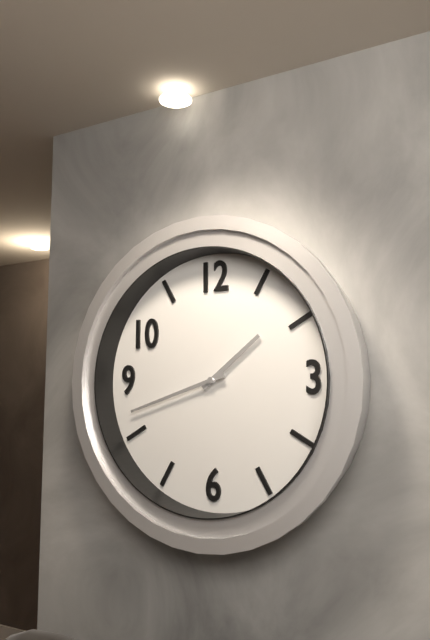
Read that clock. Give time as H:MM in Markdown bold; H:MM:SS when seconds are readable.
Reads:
**1:42**
